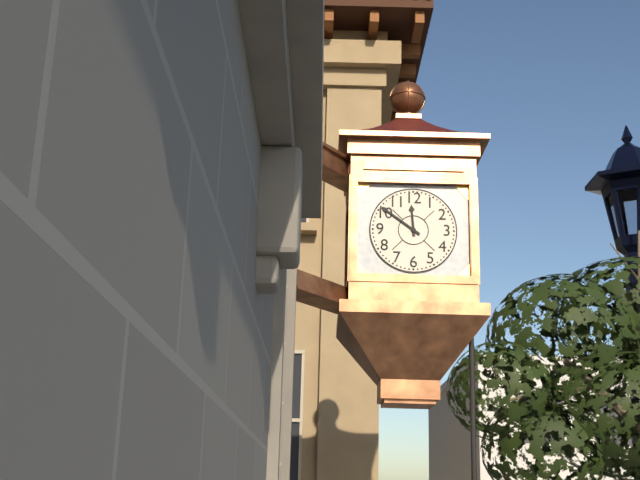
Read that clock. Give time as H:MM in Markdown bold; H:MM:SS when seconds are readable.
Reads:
**11:51**
